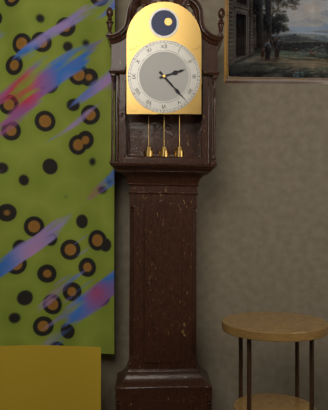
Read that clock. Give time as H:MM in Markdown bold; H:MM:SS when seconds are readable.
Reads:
**2:23**
